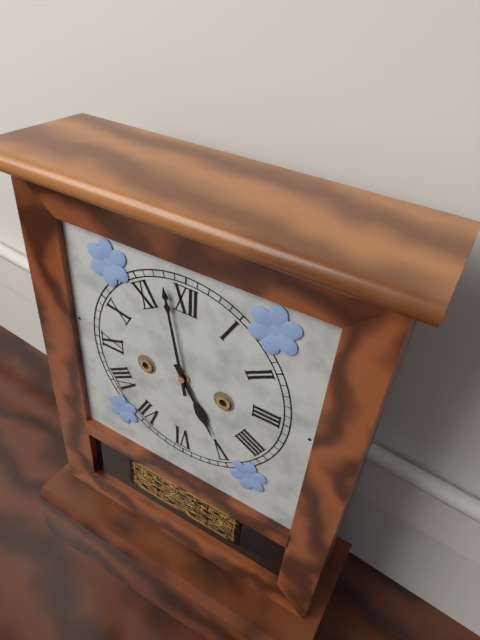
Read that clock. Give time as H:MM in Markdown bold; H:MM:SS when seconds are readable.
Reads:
**4:58**
